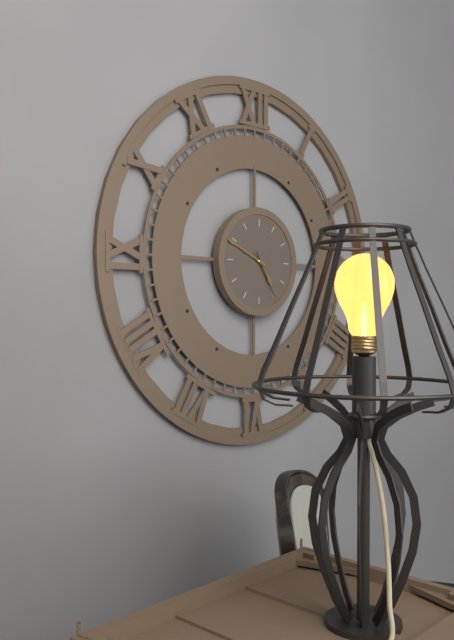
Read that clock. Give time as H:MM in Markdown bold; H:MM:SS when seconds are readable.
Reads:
**4:49:25**
